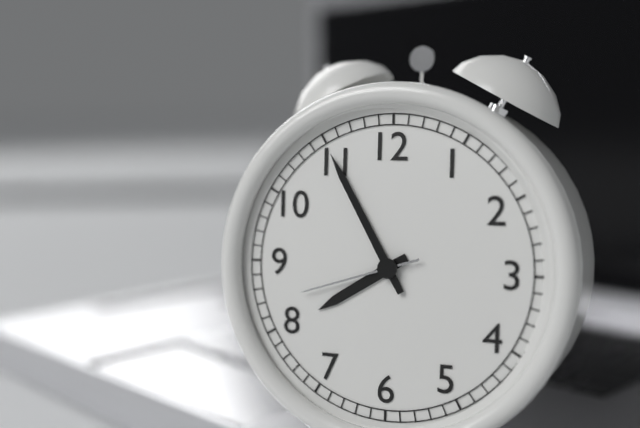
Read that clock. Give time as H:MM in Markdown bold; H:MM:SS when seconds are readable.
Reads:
**7:55:42**
